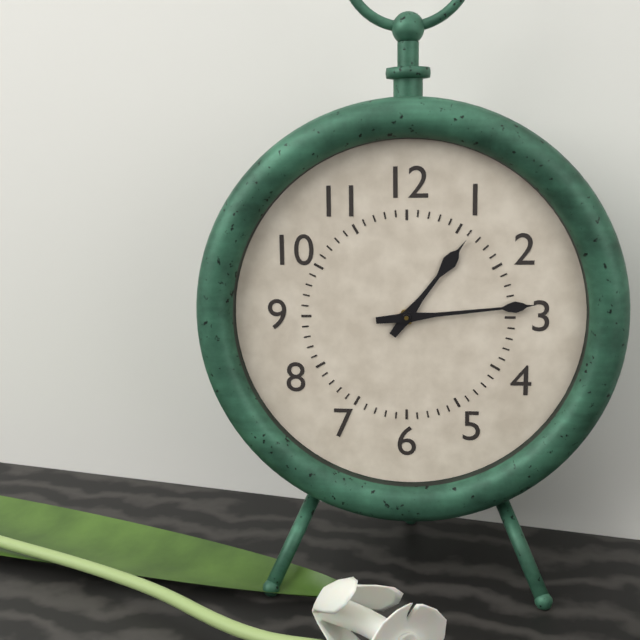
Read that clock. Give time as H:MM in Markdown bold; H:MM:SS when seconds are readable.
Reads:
**1:14**
